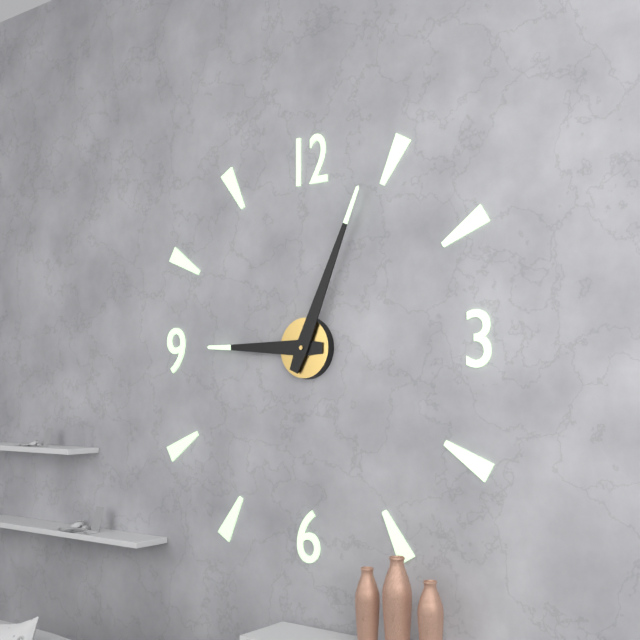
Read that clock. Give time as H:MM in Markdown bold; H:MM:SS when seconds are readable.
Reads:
**9:04**
